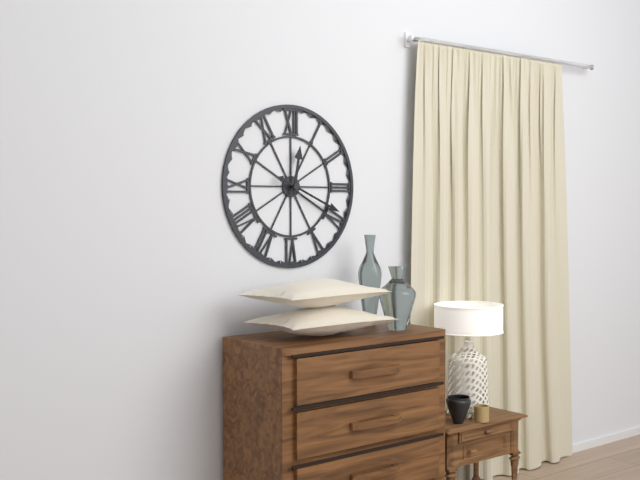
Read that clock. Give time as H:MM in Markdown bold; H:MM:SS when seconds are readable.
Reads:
**12:19**
